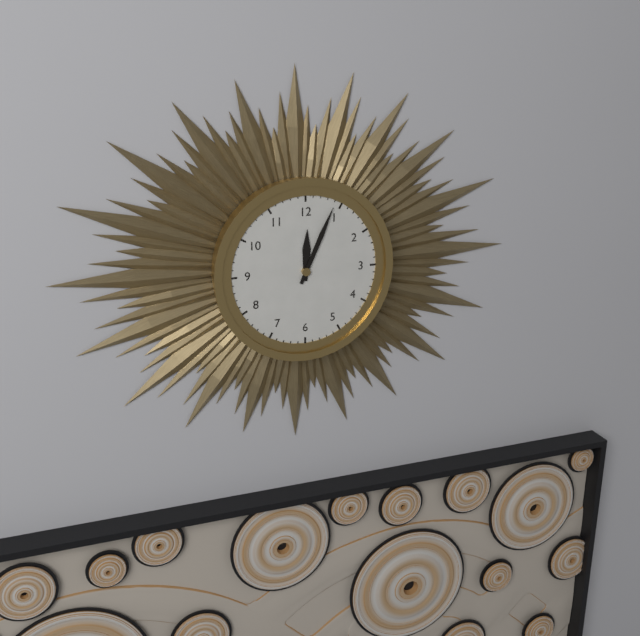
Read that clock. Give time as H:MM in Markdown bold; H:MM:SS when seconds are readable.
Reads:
**12:04**
